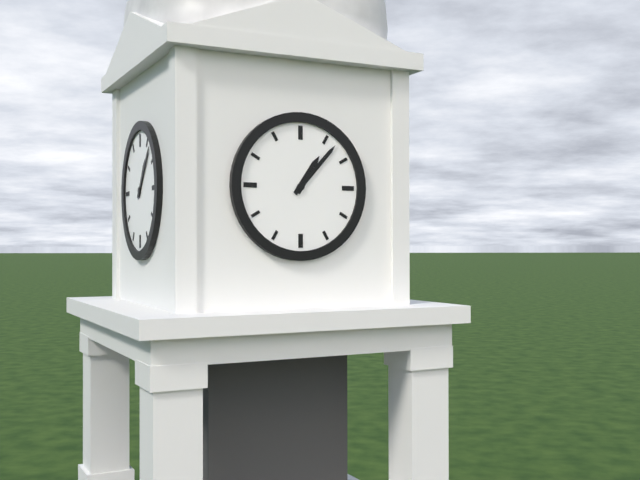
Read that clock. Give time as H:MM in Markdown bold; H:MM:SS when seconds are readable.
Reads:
**1:07**
